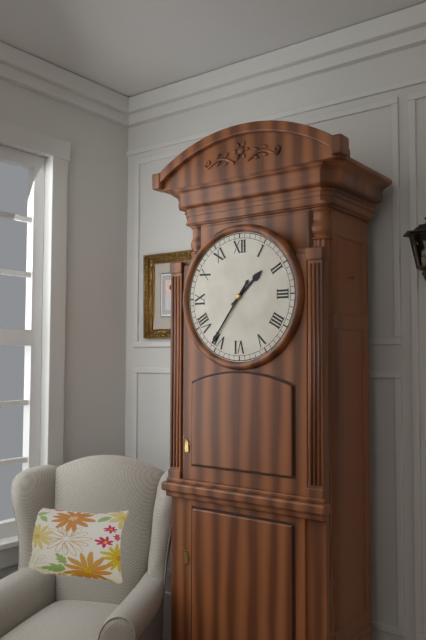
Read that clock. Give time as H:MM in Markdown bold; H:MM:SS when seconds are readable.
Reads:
**1:36**
